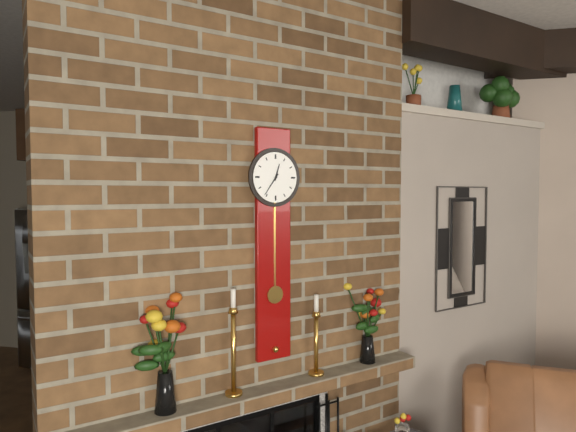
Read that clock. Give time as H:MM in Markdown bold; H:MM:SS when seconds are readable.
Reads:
**12:36**
